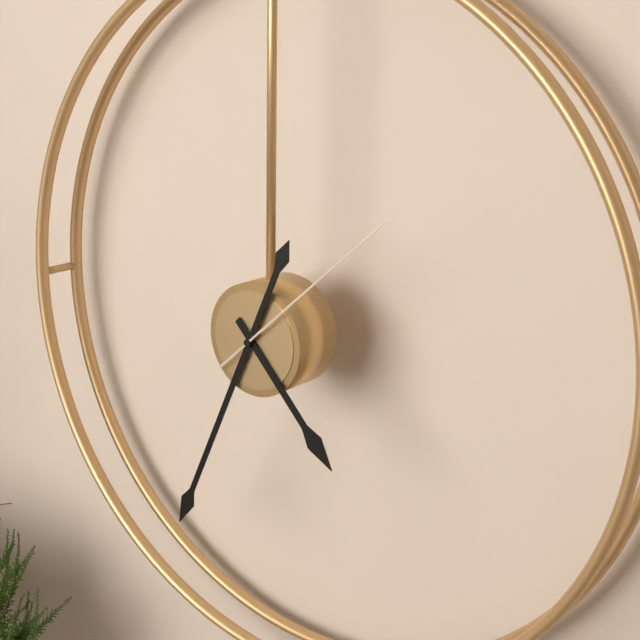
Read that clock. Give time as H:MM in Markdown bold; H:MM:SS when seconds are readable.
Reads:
**4:34:08**
